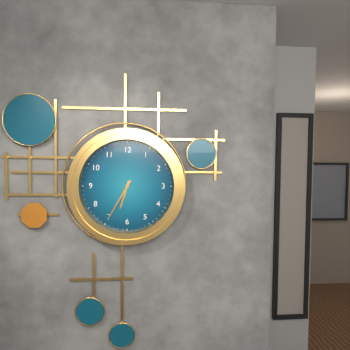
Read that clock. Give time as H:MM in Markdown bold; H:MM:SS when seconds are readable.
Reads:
**6:35**
